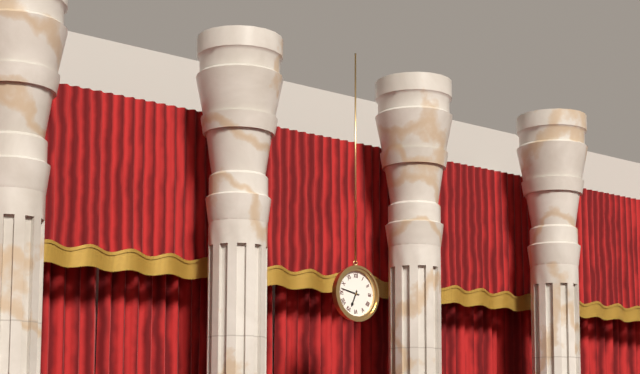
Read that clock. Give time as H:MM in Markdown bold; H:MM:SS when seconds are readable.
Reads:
**6:47**
